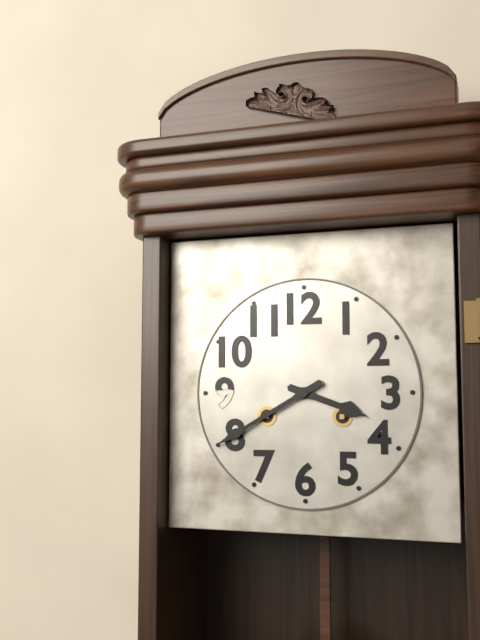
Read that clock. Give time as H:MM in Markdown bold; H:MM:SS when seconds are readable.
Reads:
**3:40**
